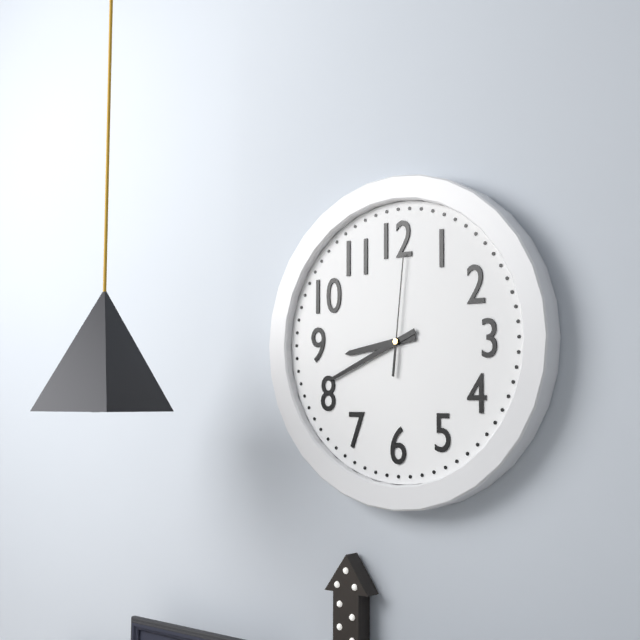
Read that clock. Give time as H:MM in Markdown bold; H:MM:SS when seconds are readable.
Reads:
**8:41:01**
